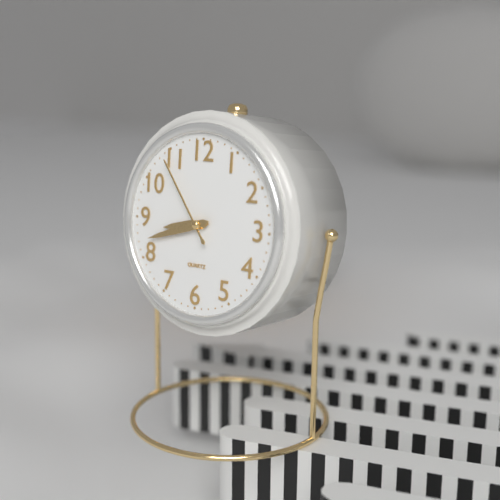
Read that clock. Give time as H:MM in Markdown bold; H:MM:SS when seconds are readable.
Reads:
**8:42:54**
